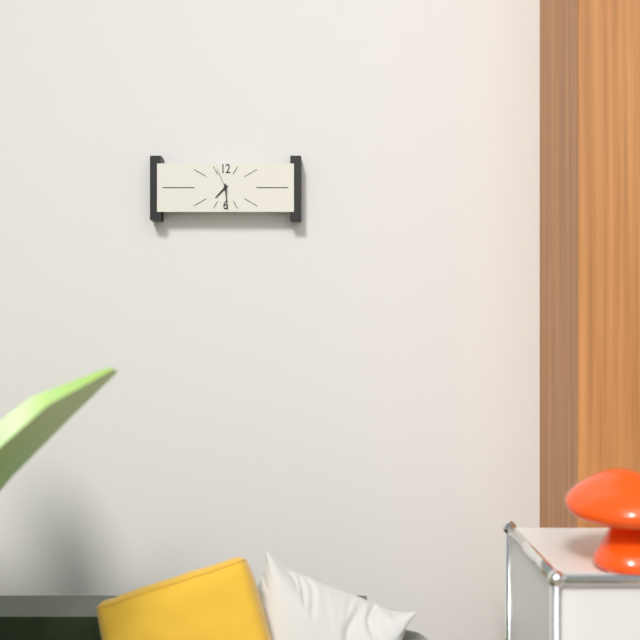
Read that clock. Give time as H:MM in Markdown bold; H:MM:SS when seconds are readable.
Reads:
**7:29**
